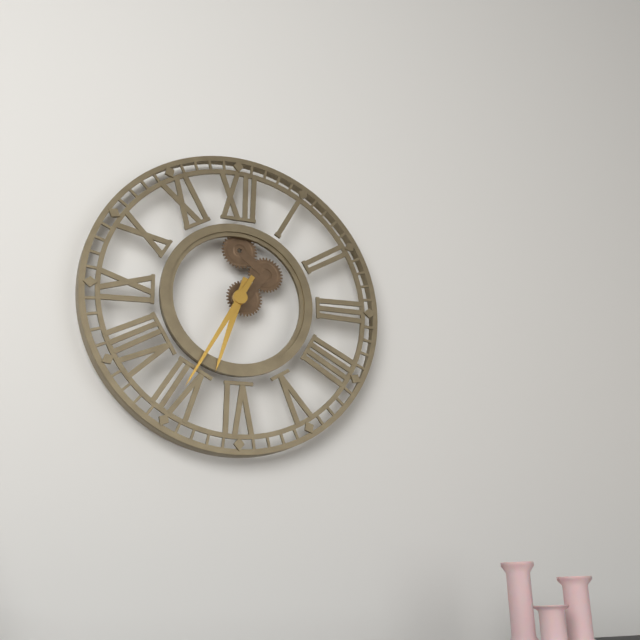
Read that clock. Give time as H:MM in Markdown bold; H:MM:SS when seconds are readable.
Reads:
**6:35**
